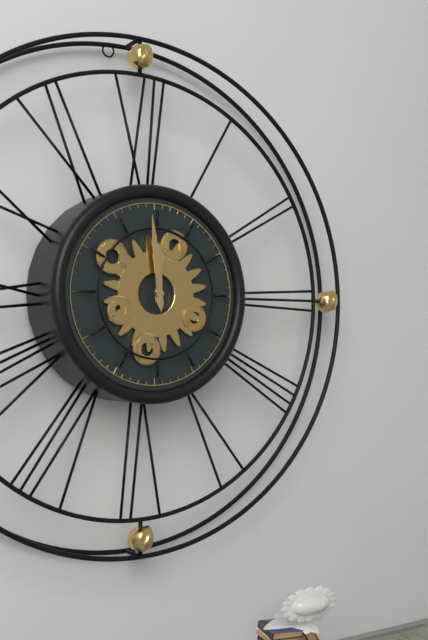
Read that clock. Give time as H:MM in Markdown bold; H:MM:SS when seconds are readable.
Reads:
**11:59**
